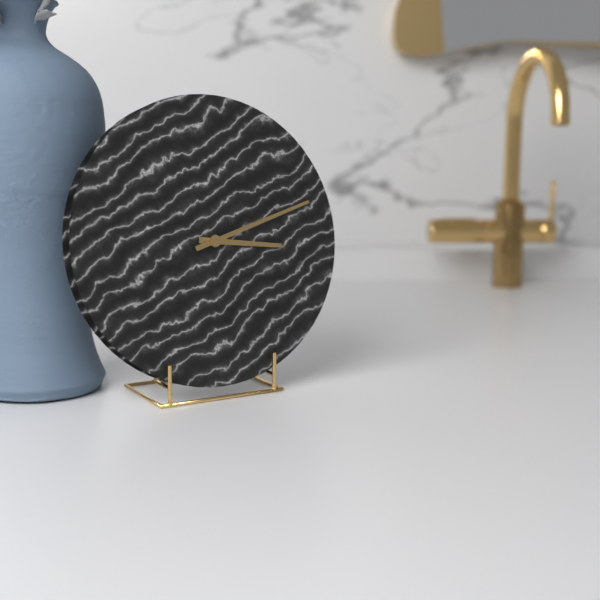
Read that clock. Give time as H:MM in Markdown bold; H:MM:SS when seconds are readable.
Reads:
**3:12**
